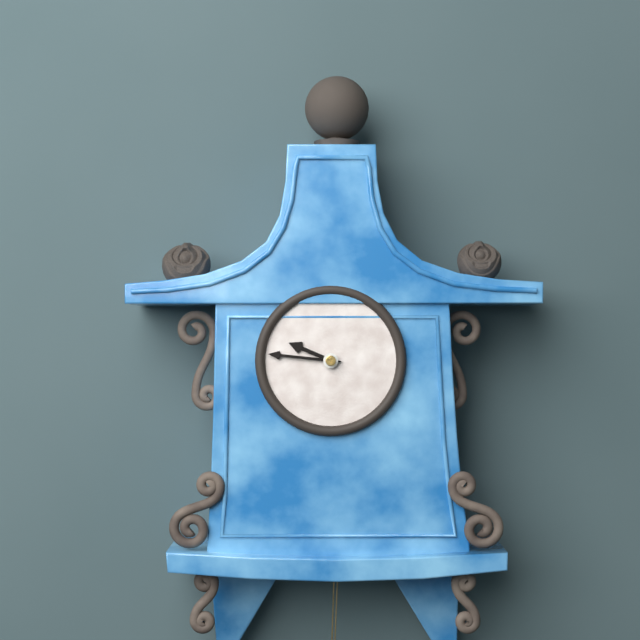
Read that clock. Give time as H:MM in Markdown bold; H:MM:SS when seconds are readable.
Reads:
**9:46**
